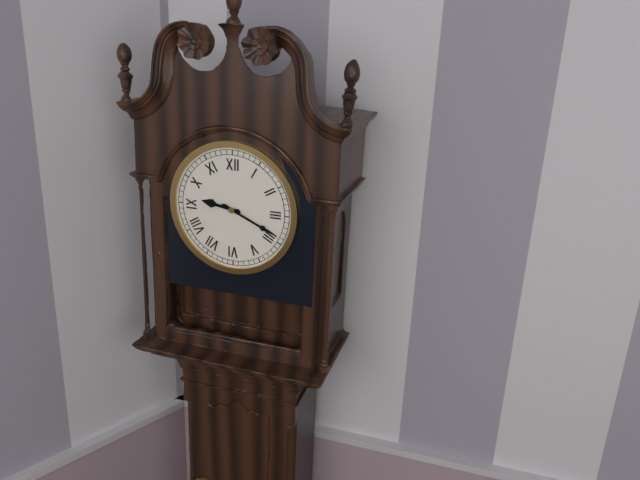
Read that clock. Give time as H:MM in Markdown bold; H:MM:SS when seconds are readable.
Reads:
**9:19**
